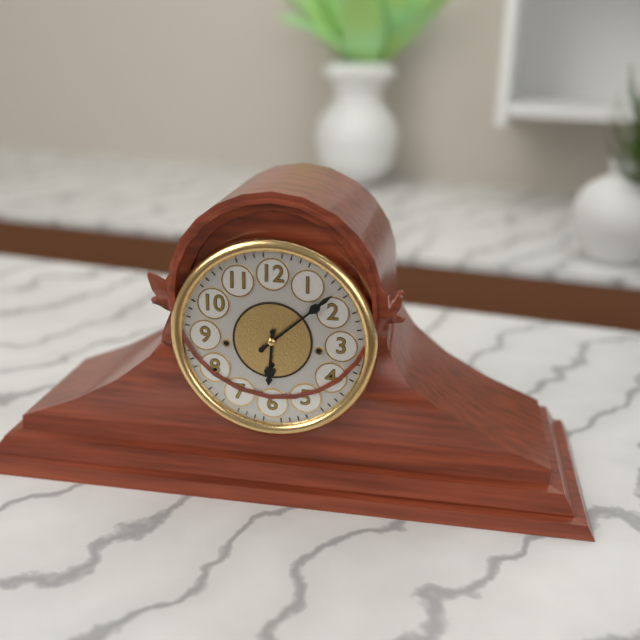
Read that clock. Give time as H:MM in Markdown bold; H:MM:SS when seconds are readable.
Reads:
**6:08**
